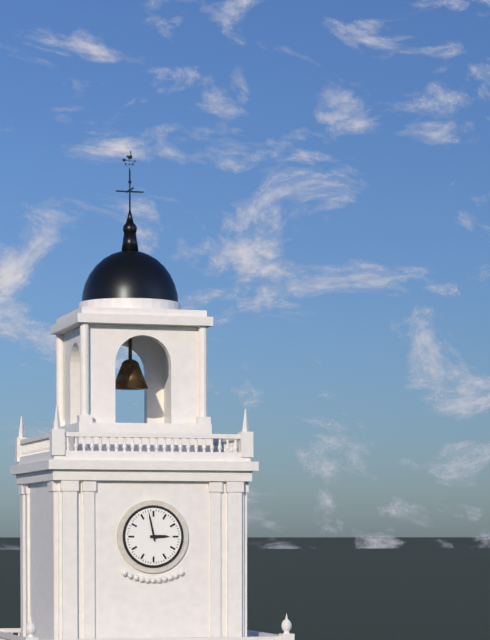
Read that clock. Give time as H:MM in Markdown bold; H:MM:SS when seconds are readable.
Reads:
**2:58**
